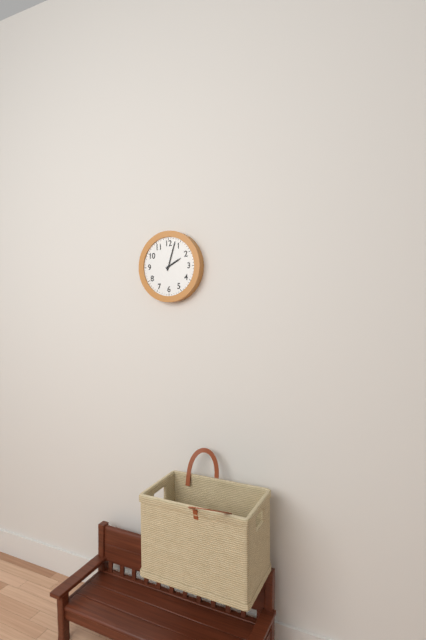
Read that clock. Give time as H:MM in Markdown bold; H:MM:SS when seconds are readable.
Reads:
**2:03**
